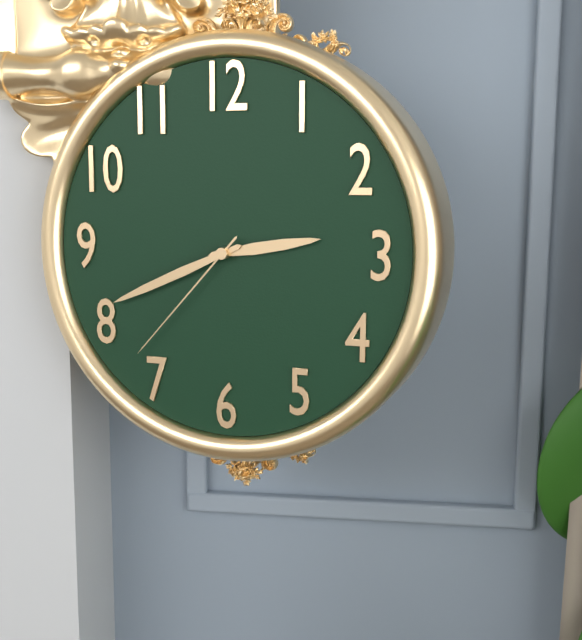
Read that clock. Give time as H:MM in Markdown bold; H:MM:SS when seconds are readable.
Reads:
**2:41:37**
